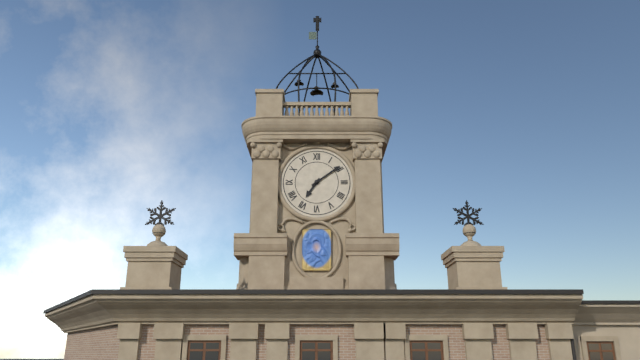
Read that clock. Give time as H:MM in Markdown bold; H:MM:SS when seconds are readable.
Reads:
**7:09**
